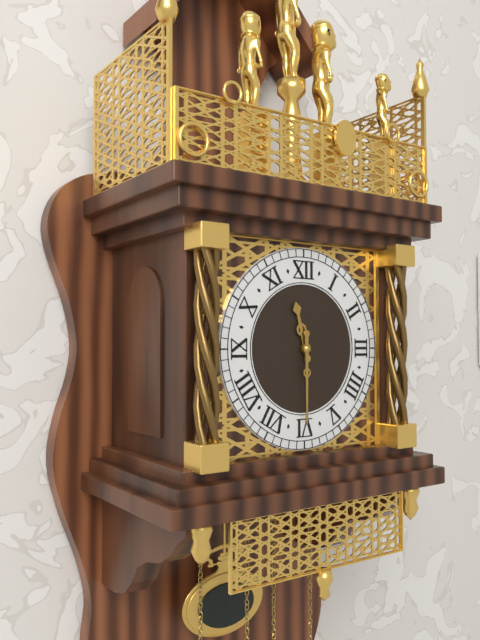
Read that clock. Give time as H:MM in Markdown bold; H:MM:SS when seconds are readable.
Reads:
**11:30**
